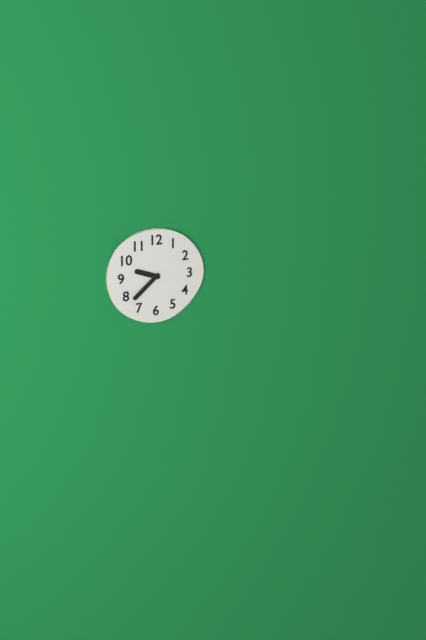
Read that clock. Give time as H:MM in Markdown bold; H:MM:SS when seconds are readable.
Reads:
**9:38**
